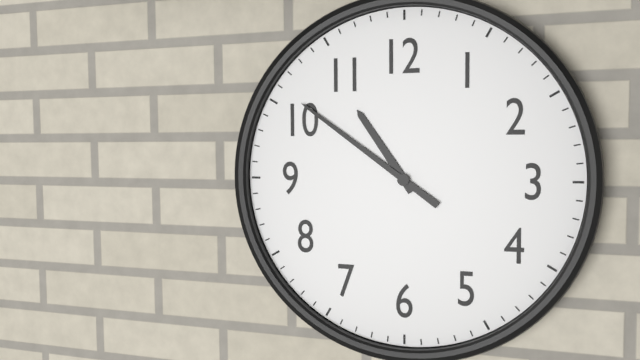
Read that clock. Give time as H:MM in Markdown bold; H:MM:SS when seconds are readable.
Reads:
**10:51**
